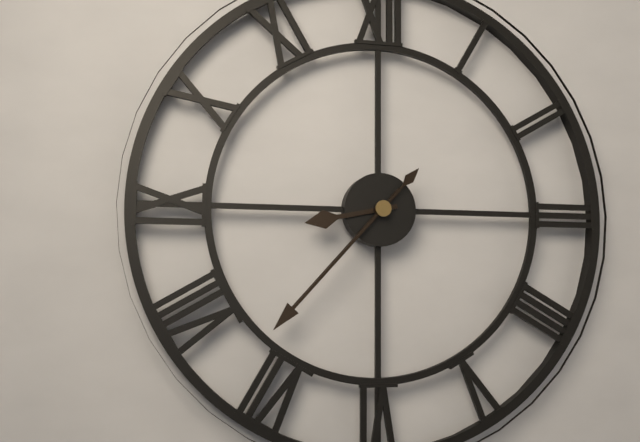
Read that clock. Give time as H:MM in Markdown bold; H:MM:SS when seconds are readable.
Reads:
**8:37:37**
